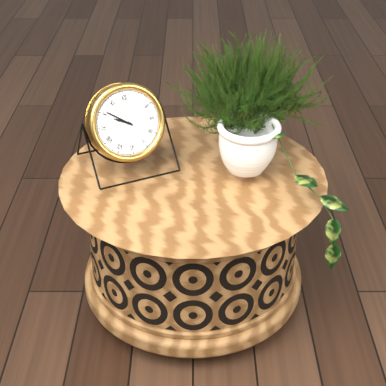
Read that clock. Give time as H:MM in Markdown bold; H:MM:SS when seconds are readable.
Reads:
**9:51**
